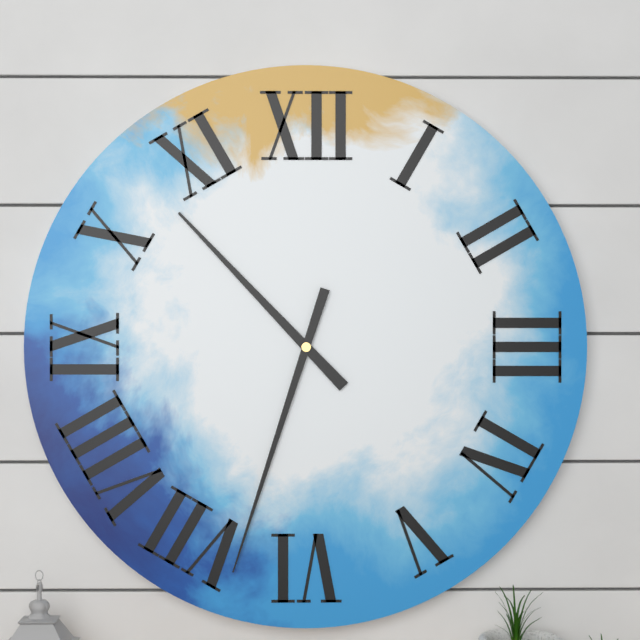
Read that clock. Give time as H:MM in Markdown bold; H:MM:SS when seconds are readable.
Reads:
**10:33**
